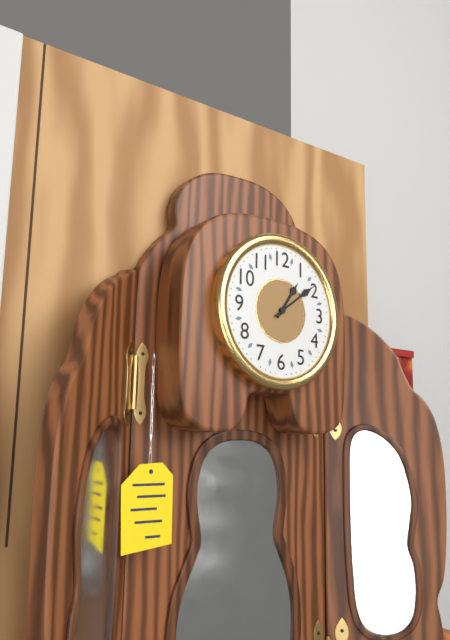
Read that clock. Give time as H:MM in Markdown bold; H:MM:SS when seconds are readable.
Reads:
**1:09**
